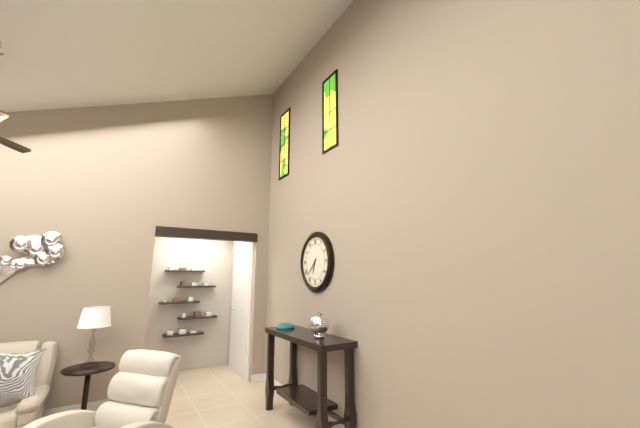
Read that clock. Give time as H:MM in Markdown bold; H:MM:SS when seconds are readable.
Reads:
**6:38**
